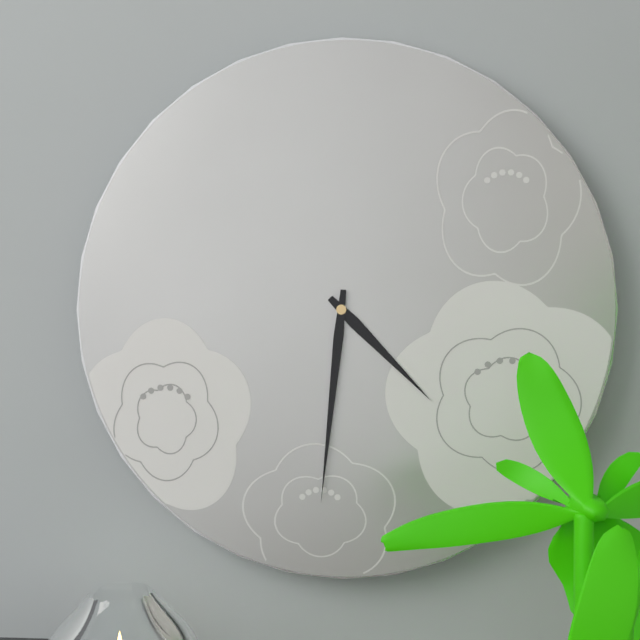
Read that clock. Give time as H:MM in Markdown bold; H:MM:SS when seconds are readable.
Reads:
**4:31**
